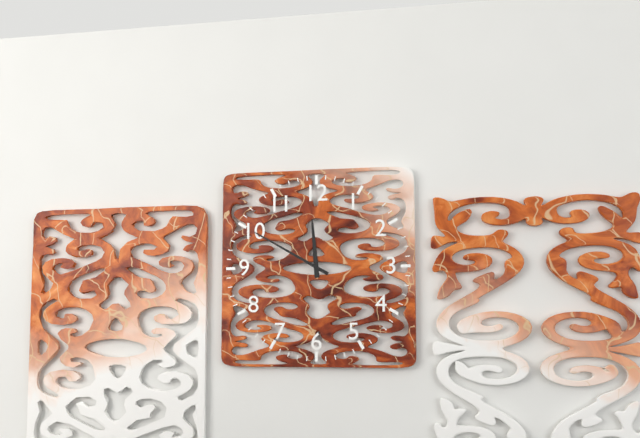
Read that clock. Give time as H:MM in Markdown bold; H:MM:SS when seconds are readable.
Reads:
**11:50**
